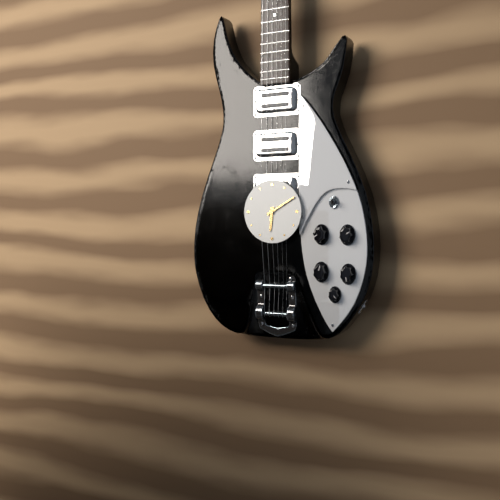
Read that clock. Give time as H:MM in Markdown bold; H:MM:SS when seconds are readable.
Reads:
**6:10**
